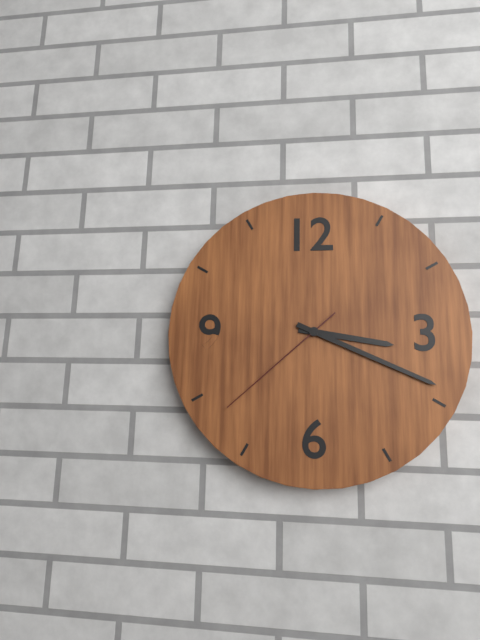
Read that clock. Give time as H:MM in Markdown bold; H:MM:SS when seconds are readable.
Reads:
**3:19:38**
